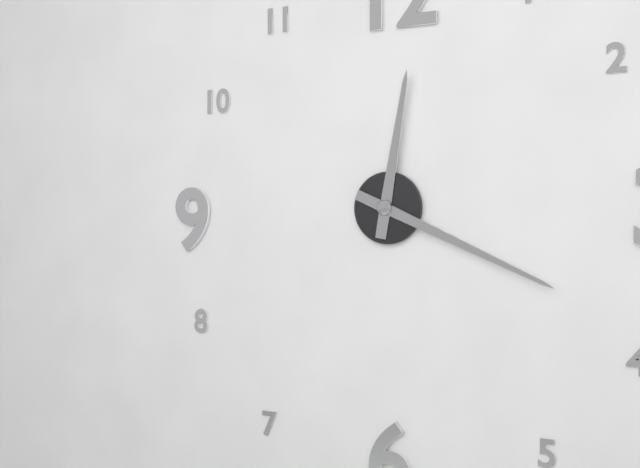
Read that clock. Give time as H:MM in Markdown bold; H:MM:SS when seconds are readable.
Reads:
**12:19**
